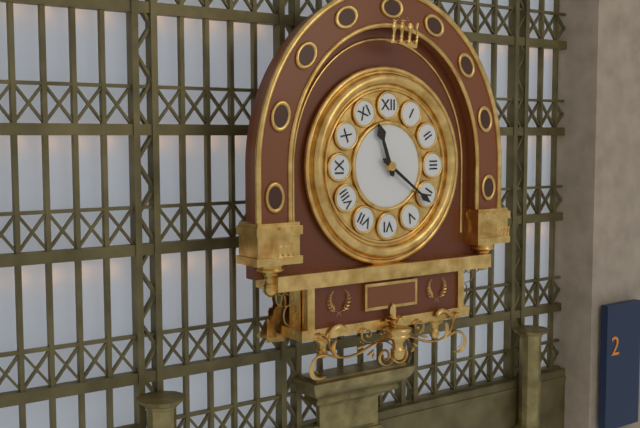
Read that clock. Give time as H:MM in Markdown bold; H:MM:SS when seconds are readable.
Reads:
**11:21**
